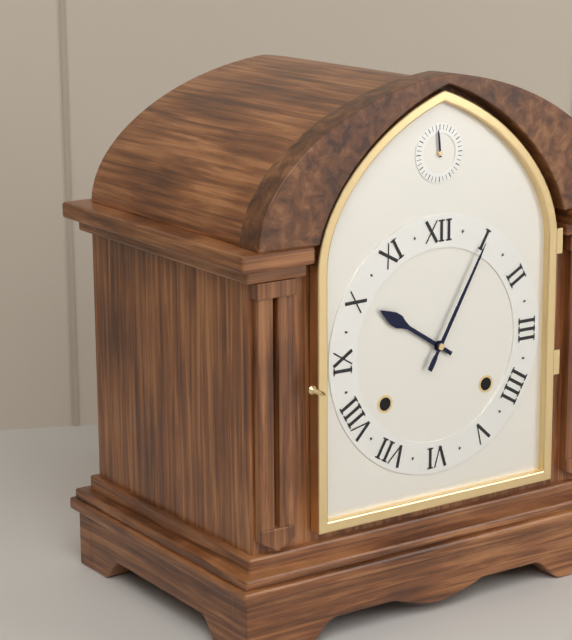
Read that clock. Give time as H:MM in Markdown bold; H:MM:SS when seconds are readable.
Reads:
**10:05**
